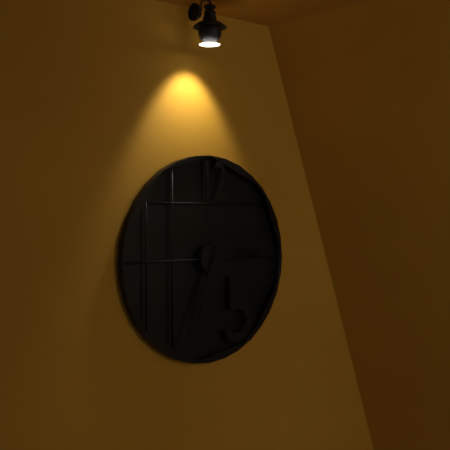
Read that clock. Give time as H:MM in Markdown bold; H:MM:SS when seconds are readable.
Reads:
**6:34**
